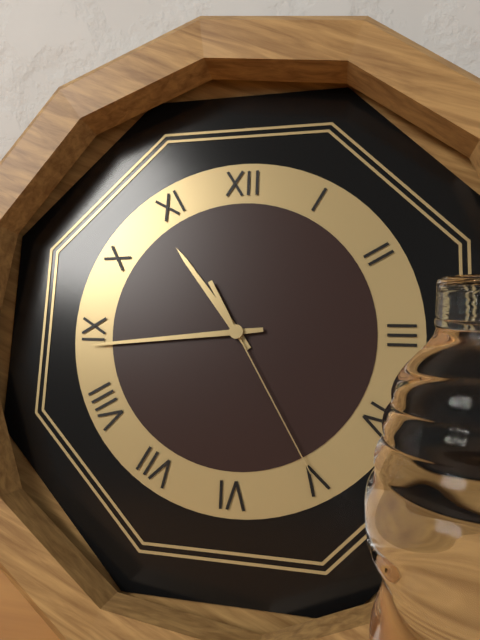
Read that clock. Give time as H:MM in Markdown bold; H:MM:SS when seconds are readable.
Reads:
**10:44:25**
